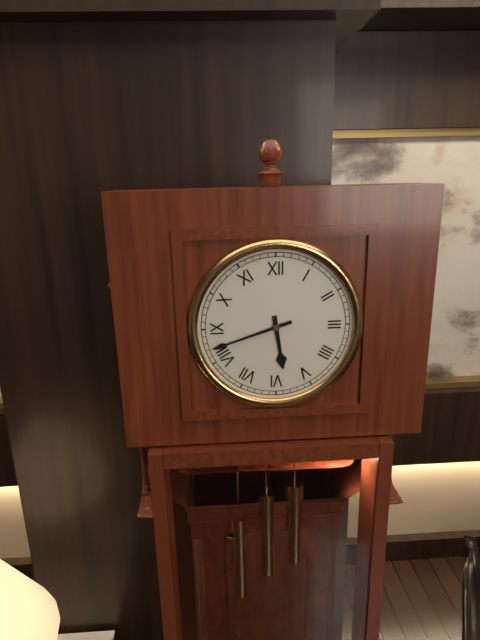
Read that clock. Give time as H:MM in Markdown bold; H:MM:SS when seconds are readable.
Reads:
**5:42**
